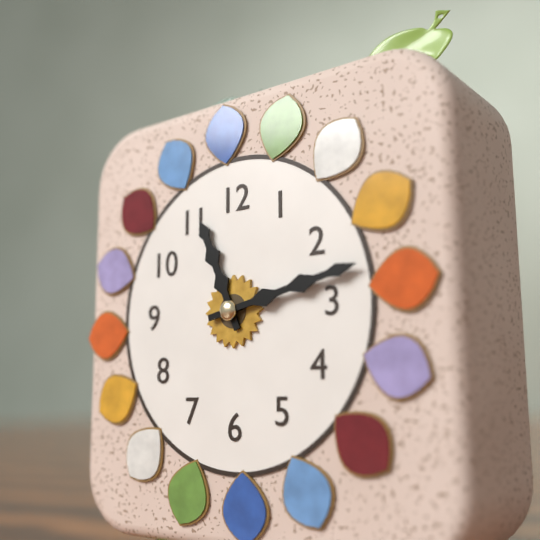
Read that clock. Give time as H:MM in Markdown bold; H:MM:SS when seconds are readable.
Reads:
**11:13**
